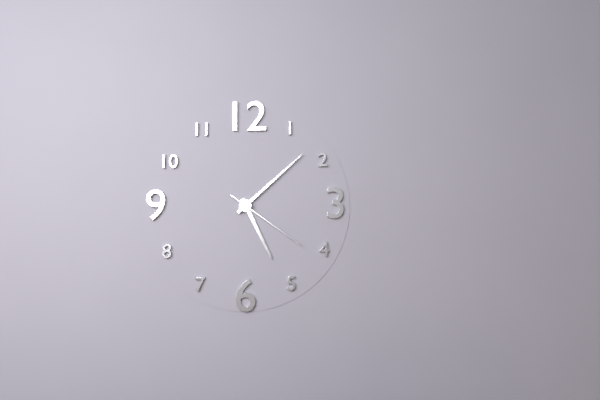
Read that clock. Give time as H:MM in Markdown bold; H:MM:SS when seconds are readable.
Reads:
**5:08:21**
